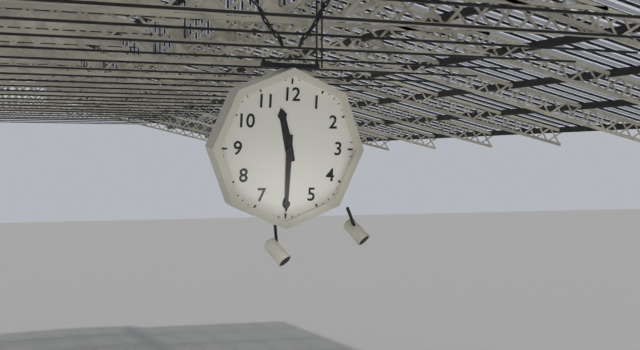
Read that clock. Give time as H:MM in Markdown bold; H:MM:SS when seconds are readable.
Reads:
**11:30**
